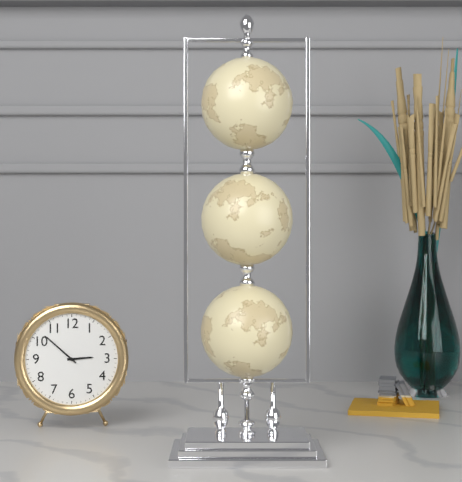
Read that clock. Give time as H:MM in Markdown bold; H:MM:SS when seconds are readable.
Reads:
**2:52**
